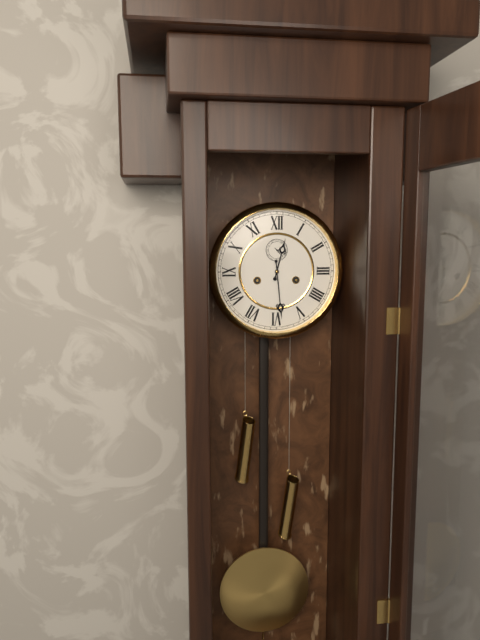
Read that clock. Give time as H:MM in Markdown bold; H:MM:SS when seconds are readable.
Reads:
**12:29**
